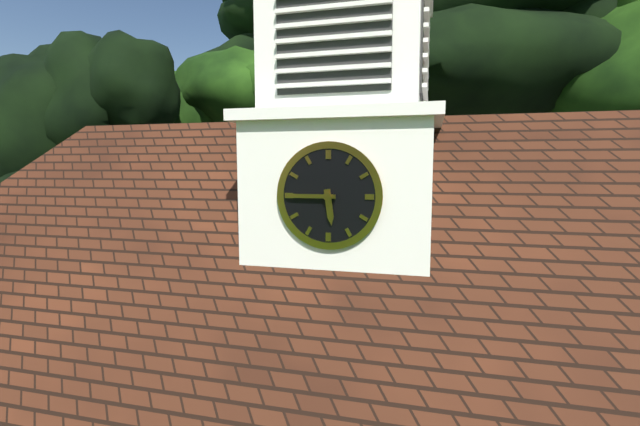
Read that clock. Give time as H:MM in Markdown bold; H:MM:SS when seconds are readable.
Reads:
**5:45**
